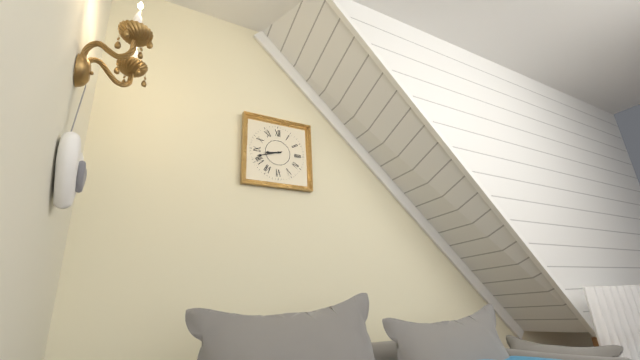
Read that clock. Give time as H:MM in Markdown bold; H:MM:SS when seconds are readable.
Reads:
**8:42**
